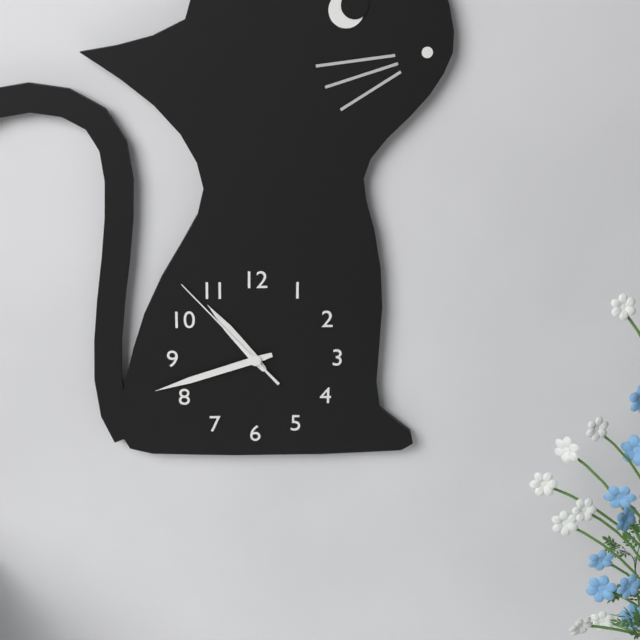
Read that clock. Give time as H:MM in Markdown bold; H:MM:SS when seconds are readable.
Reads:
**10:42:53**
